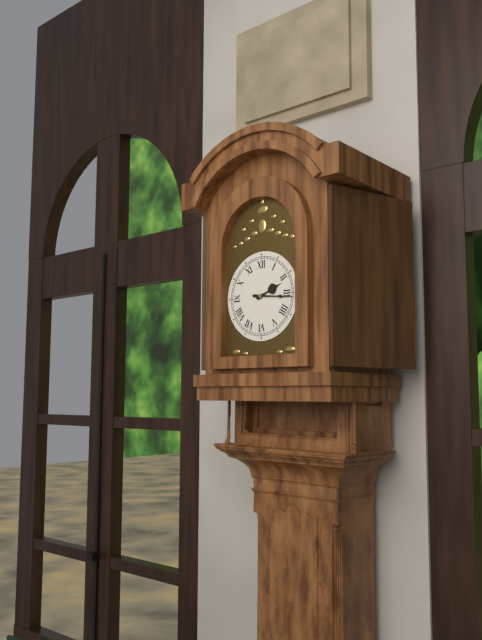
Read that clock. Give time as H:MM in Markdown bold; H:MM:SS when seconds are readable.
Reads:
**2:16**
